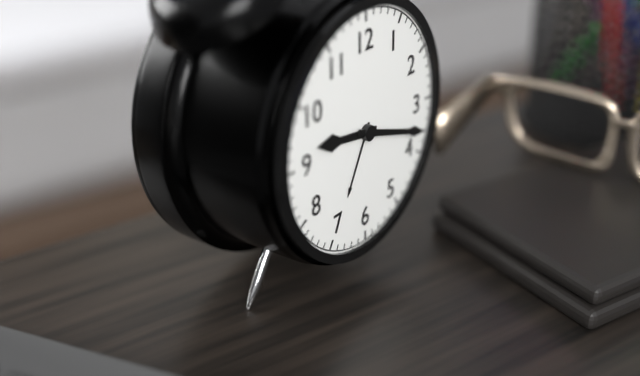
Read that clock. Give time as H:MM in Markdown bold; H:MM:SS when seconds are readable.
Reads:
**9:18**
